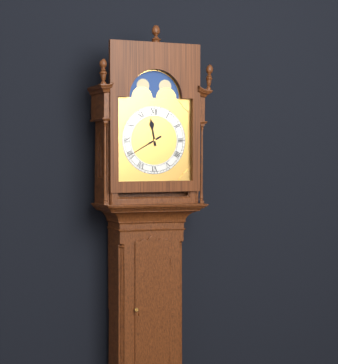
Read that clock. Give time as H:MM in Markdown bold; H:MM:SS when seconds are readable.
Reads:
**11:40**
